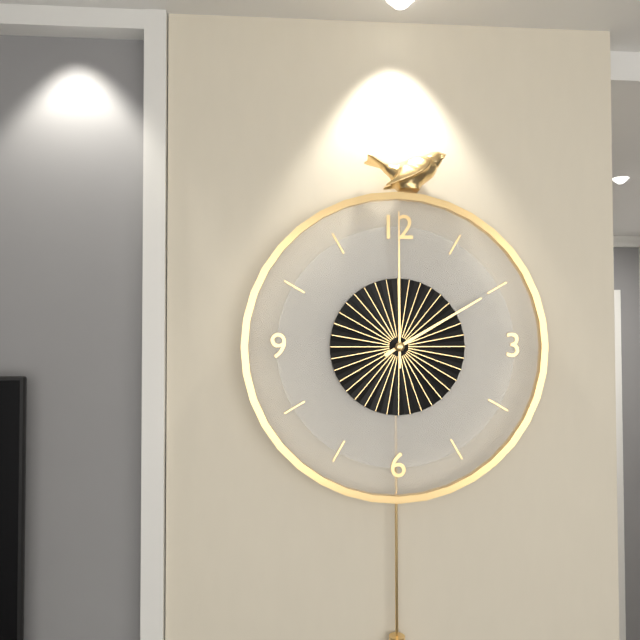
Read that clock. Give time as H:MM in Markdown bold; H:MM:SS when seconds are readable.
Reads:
**2:00**
